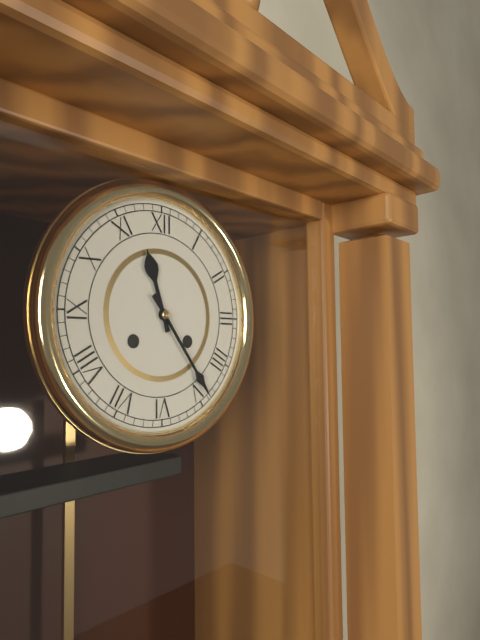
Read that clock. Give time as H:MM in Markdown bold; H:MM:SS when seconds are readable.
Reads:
**11:24**
